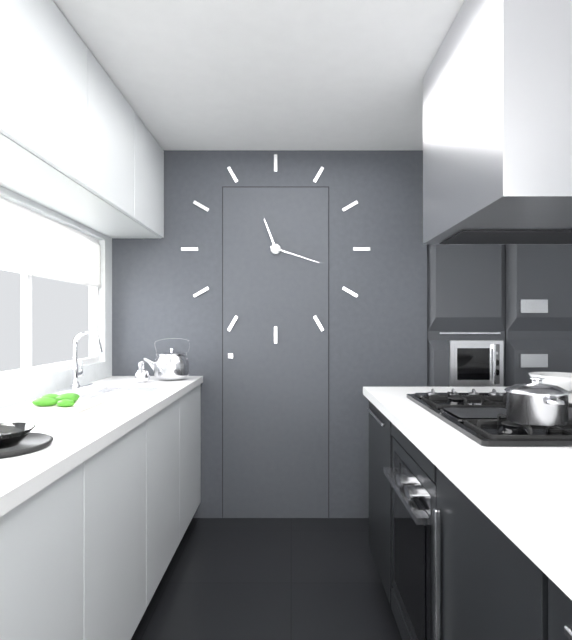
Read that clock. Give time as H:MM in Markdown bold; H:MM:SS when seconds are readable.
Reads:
**11:18**
